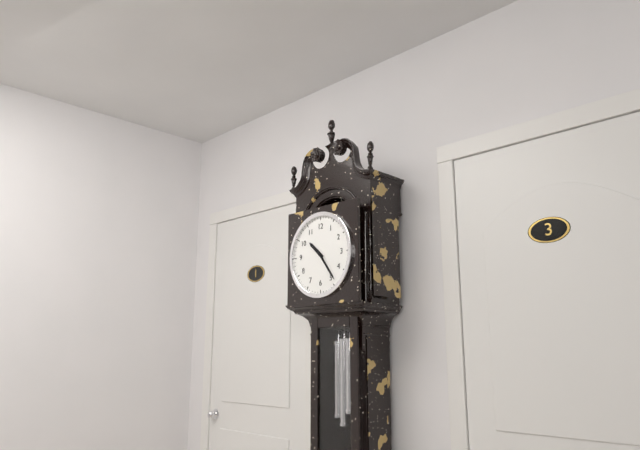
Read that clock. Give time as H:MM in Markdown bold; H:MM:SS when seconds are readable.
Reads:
**10:24**
